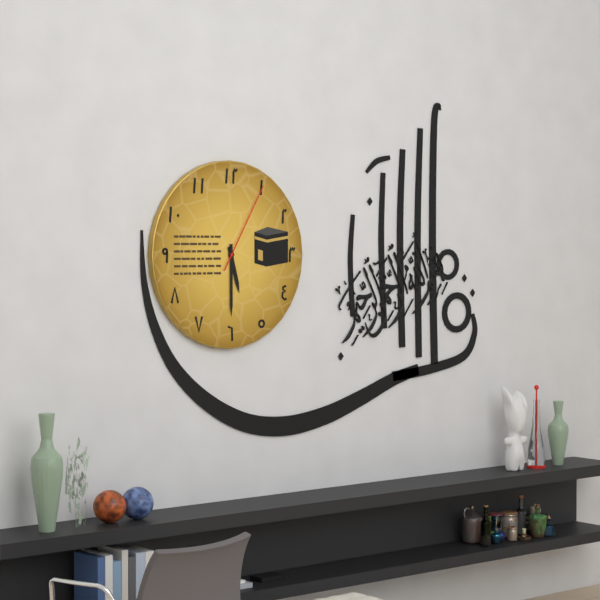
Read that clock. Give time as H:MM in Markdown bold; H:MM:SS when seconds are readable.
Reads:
**5:30:05**
